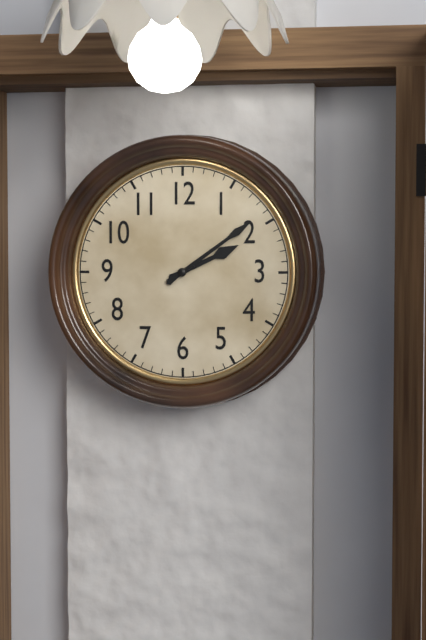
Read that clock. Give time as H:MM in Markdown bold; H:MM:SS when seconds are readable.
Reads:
**2:09**
